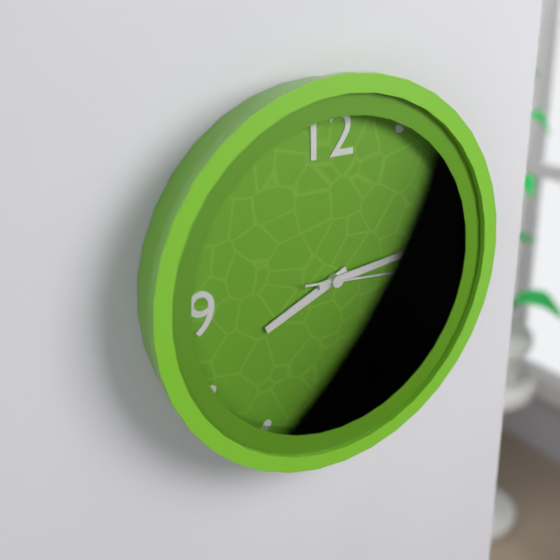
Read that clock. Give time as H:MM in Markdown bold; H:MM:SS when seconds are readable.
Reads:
**8:14:16**
